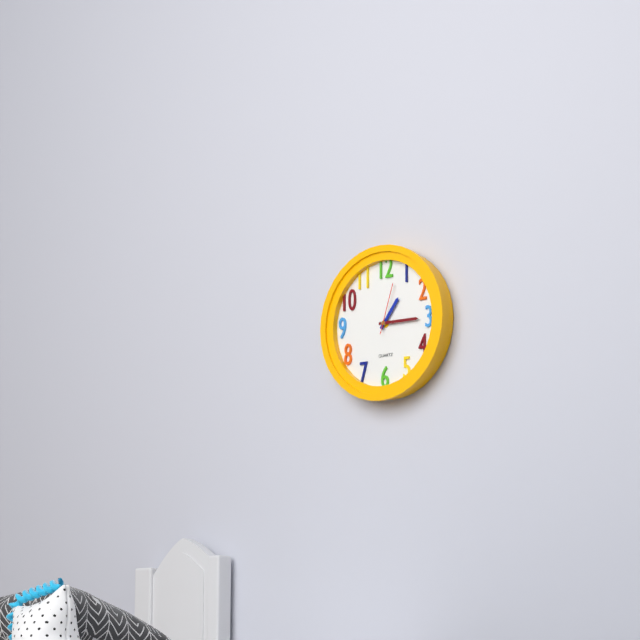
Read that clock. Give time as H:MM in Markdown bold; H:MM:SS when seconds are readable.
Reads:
**1:15:03**
